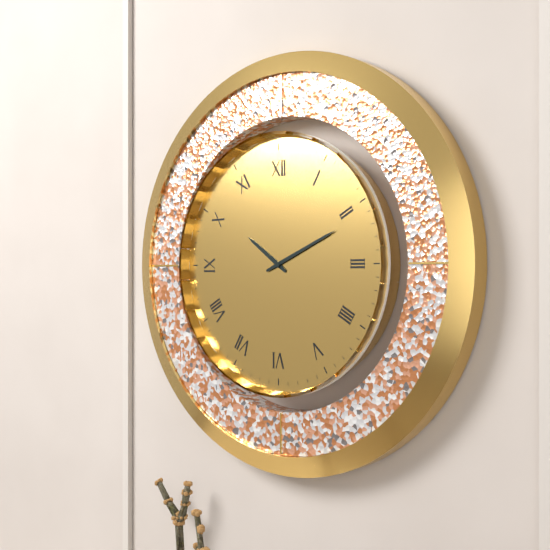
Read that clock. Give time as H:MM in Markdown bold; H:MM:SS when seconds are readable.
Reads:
**10:11**
